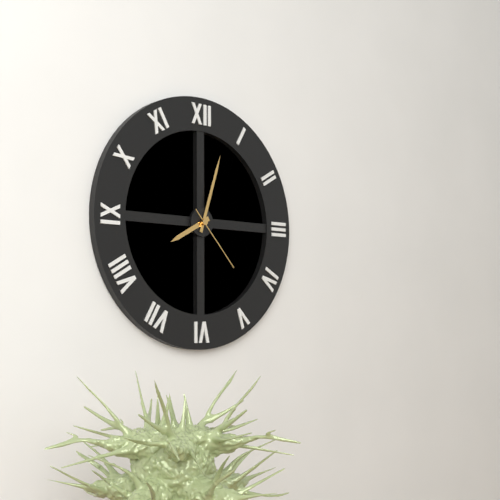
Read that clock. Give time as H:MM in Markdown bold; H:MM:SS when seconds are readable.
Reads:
**8:03:23**
